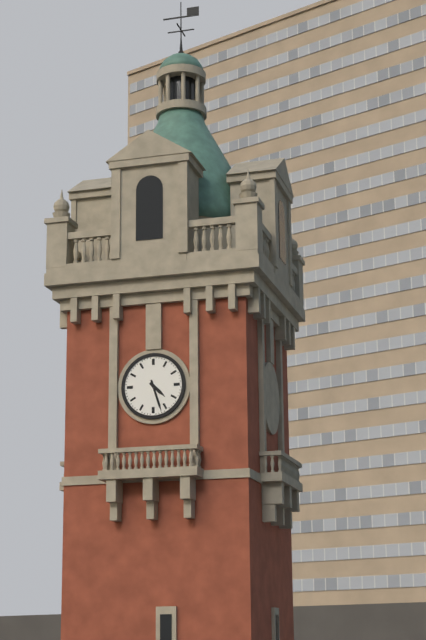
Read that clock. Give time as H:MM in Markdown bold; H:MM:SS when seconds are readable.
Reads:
**4:27**
